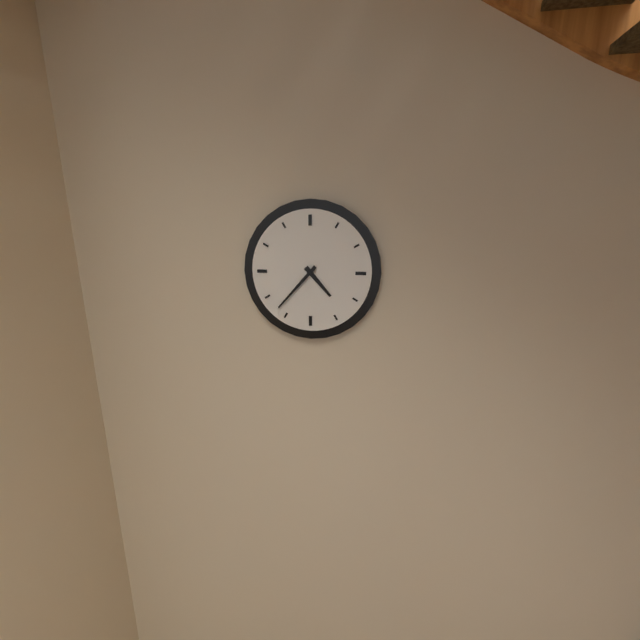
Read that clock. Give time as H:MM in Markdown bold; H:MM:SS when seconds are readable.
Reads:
**4:37**
